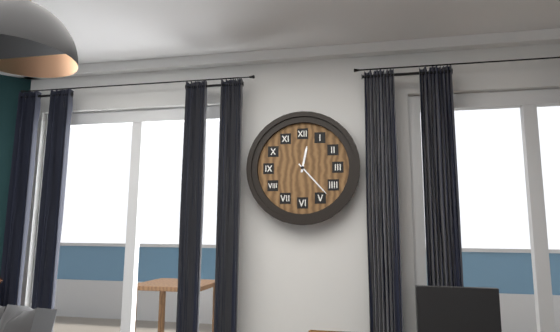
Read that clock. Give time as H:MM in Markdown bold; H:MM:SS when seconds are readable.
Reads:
**12:23**
